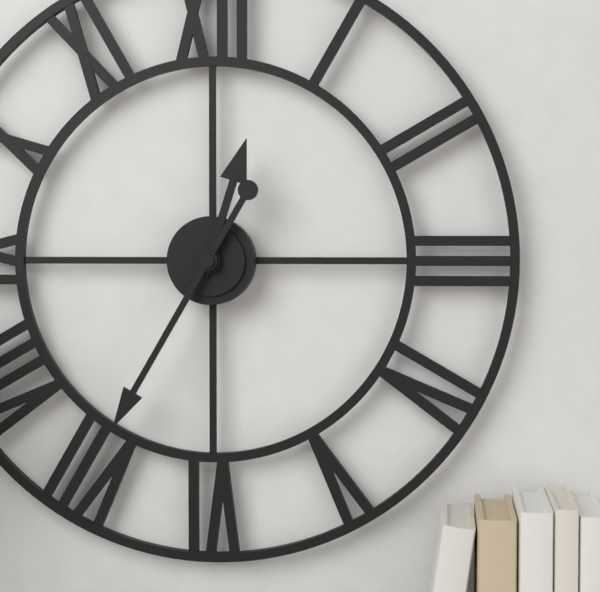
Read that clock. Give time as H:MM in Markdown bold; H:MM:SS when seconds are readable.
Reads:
**12:35**
